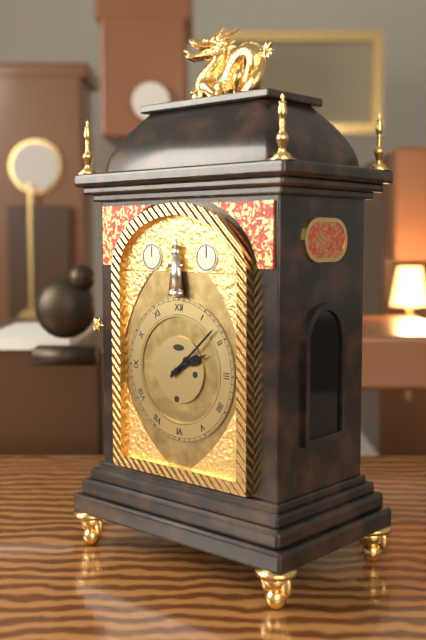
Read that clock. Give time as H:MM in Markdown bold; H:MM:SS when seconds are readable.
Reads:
**2:08**
